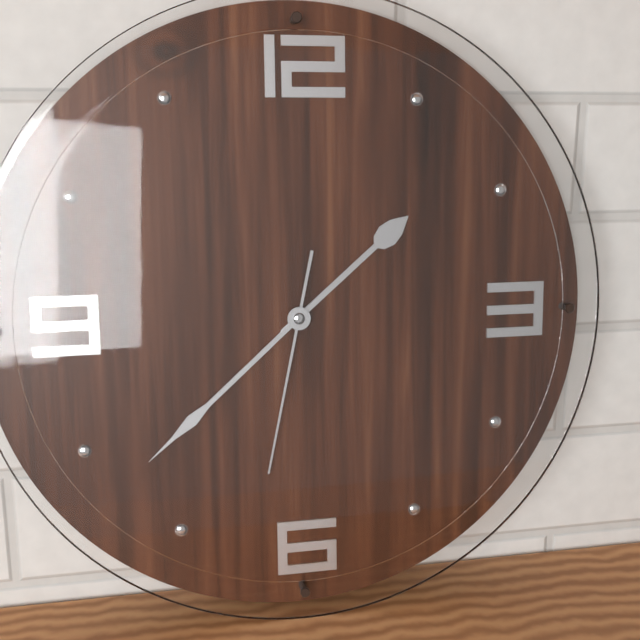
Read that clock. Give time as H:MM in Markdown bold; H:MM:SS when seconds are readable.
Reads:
**1:38:32**
